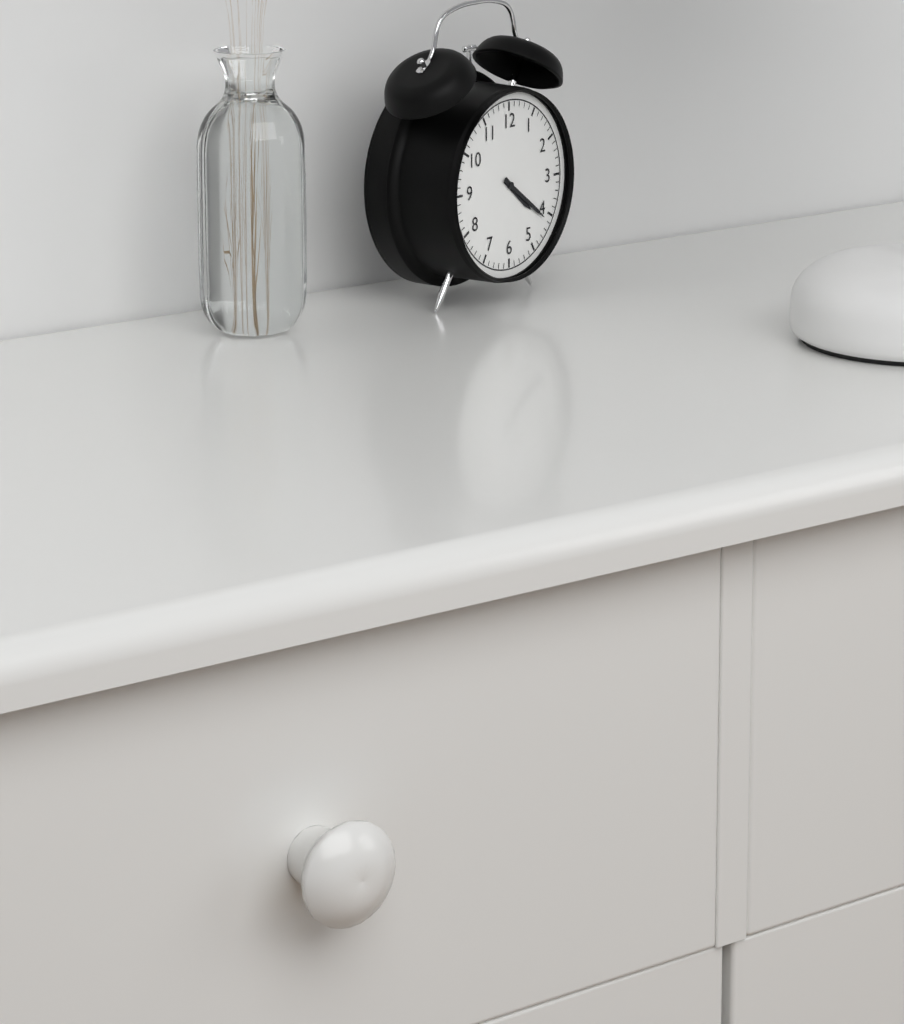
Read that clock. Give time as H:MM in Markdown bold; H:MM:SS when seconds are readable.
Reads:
**4:21**
